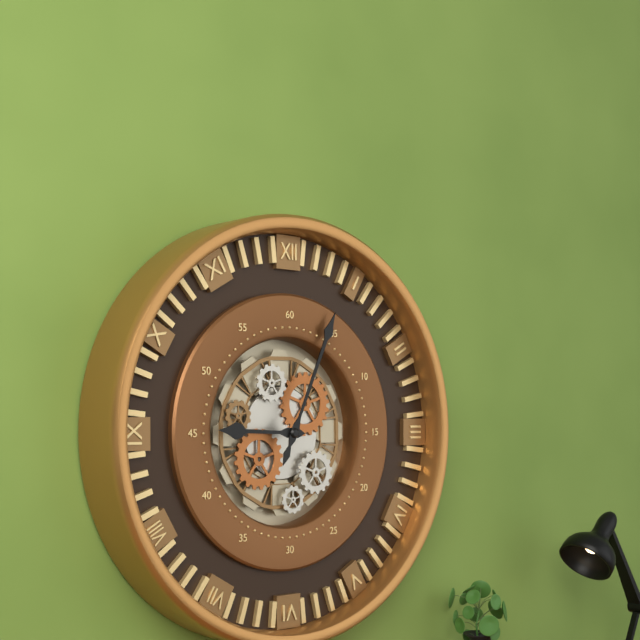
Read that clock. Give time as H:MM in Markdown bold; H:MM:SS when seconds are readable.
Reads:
**9:04**
